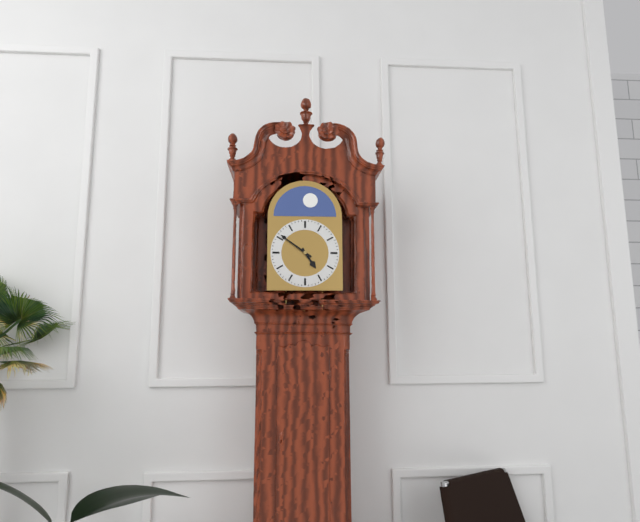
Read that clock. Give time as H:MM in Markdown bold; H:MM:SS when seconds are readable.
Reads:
**4:51**
